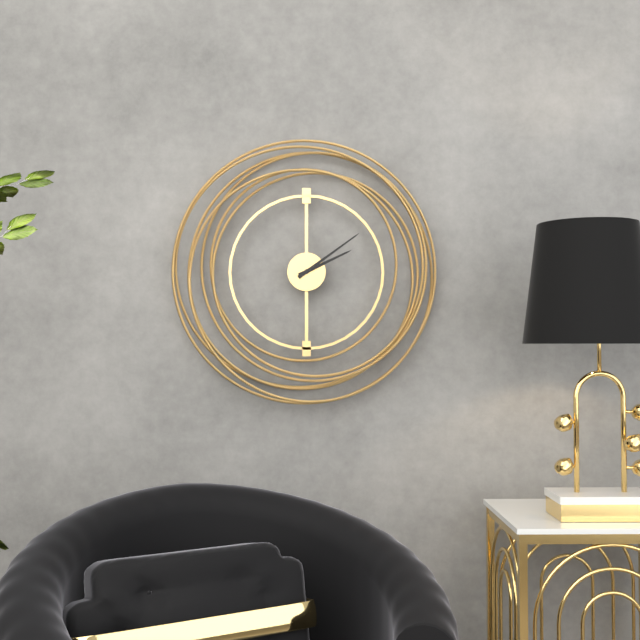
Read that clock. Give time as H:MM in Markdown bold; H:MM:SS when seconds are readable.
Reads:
**2:09**
